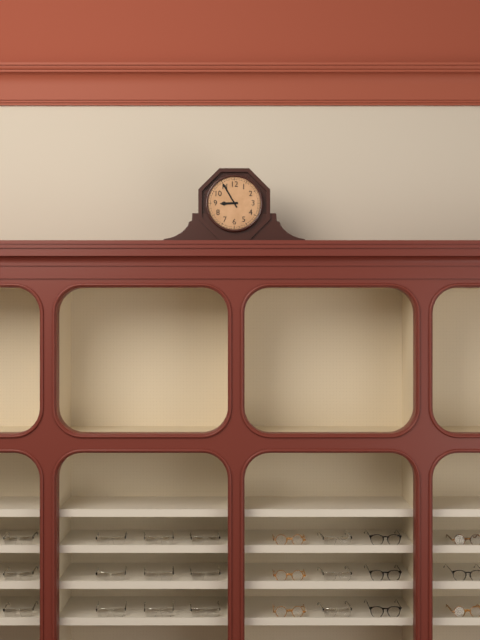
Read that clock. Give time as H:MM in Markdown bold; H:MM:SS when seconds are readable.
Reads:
**8:55**
